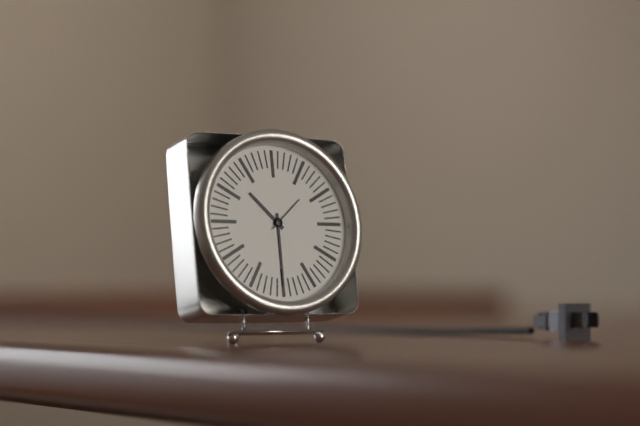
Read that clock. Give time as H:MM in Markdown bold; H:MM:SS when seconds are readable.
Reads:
**10:30**
